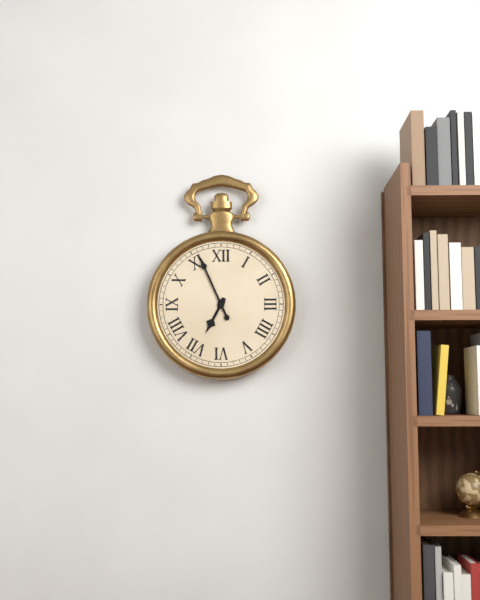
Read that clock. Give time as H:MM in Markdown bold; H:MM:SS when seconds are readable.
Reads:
**6:56**
